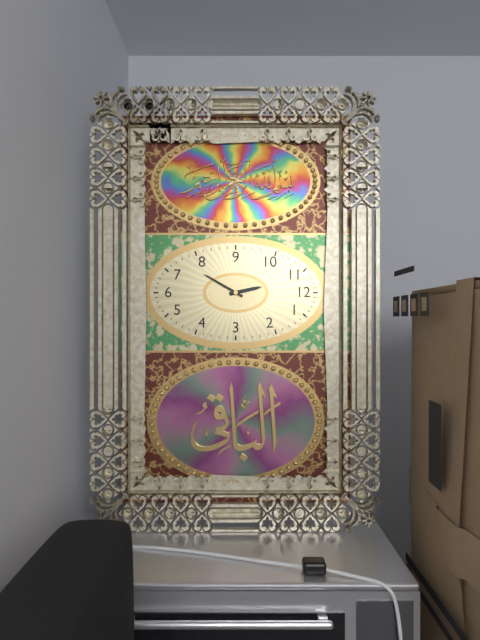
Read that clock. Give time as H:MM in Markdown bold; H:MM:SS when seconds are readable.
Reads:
**11:35**
